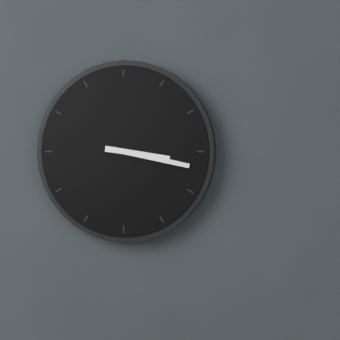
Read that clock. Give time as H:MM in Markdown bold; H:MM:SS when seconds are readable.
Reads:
**3:17**
